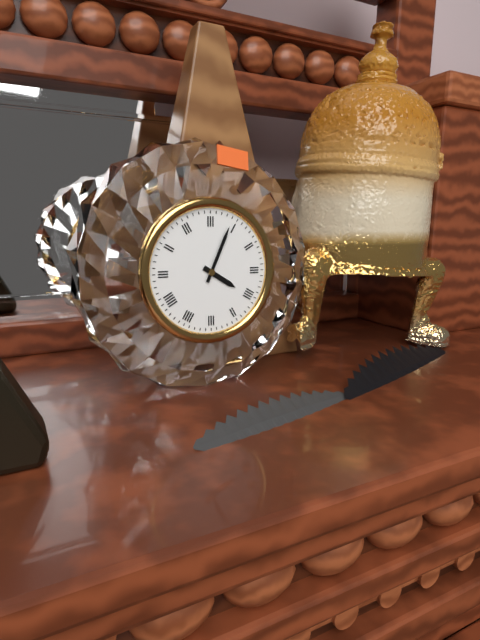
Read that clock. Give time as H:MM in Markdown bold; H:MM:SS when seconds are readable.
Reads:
**4:04**
